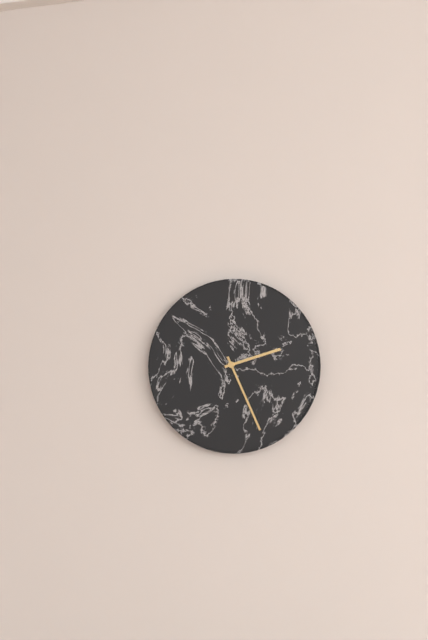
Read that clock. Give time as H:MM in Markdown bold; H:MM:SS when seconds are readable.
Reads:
**2:26**
